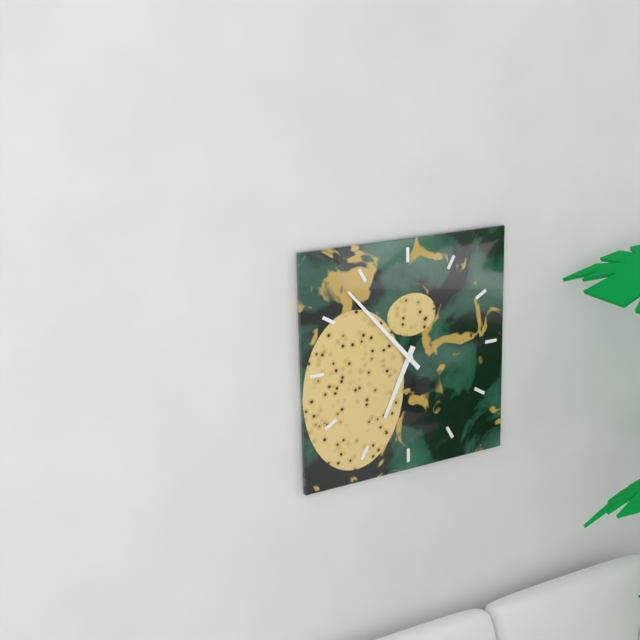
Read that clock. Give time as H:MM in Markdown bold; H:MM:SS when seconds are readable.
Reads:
**6:53**
